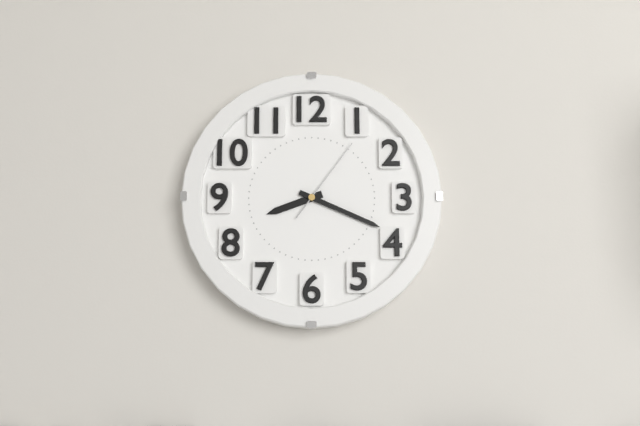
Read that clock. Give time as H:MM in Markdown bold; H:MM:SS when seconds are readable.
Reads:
**8:19:06**
